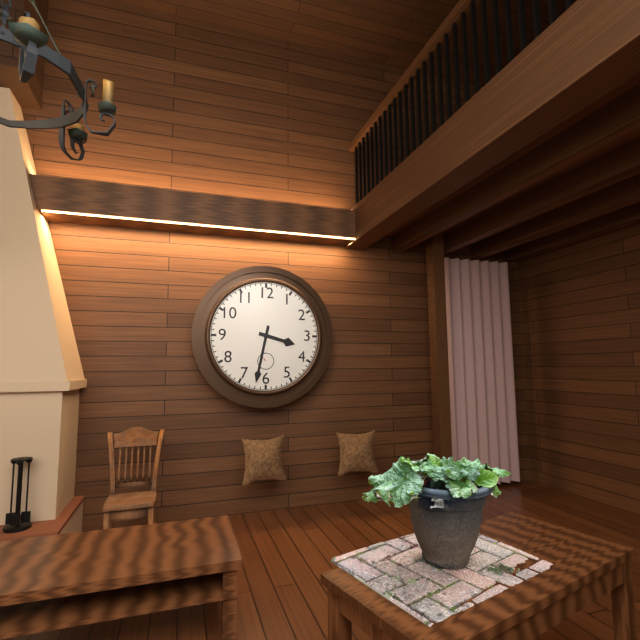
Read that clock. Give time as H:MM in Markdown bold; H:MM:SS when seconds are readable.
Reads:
**3:32**
